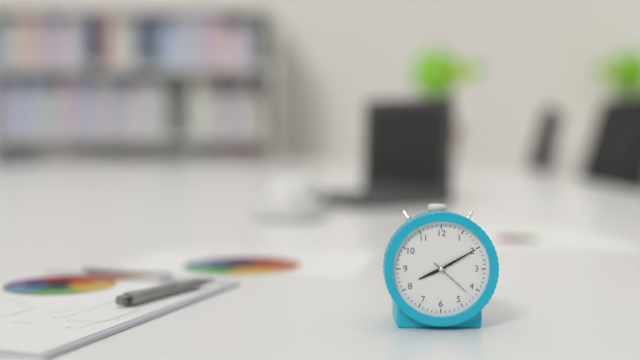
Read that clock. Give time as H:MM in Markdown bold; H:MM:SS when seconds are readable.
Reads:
**8:10**
